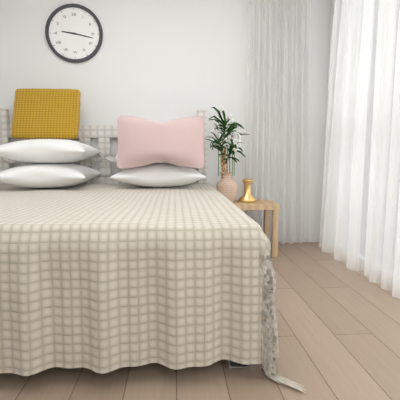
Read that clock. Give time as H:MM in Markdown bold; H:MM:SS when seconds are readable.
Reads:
**9:17**
